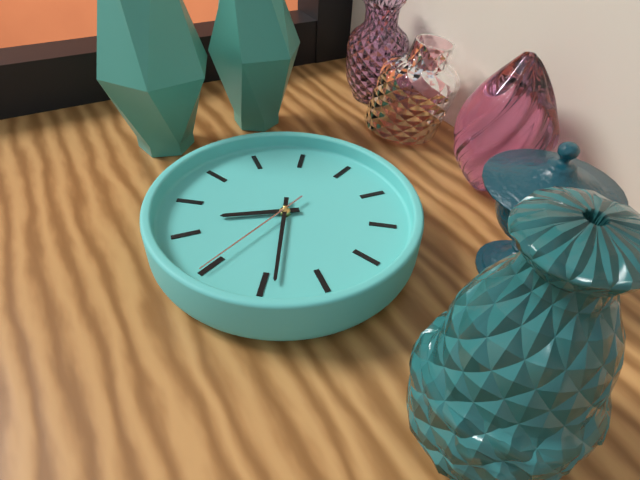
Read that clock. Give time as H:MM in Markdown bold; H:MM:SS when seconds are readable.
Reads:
**7:24:30**
